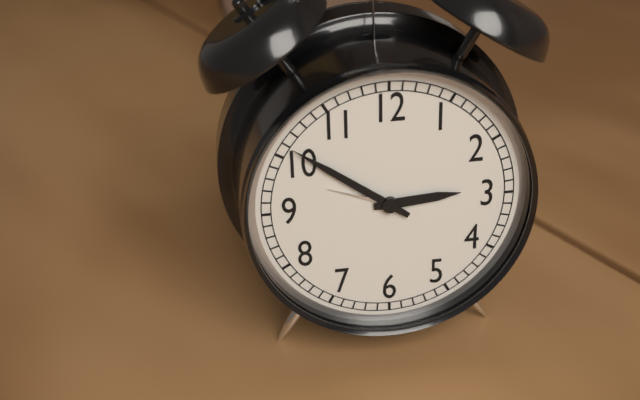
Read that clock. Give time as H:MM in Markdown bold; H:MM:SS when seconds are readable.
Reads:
**2:51**
